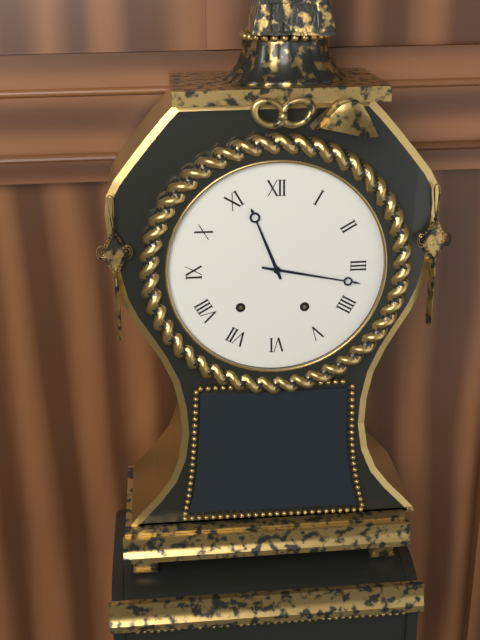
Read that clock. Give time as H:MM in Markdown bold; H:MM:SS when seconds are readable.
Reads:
**11:17**
